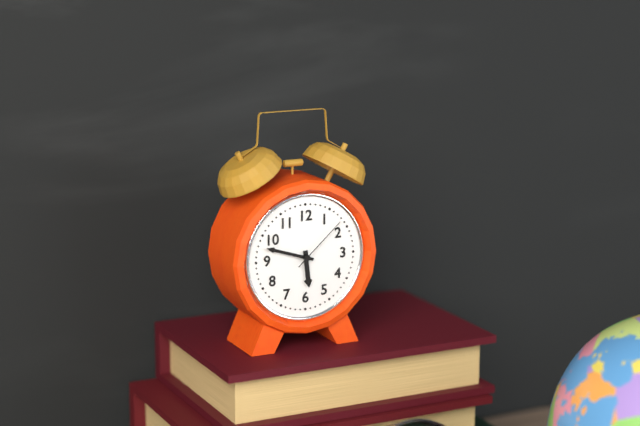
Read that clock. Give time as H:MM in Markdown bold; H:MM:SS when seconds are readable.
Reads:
**5:48:08**
